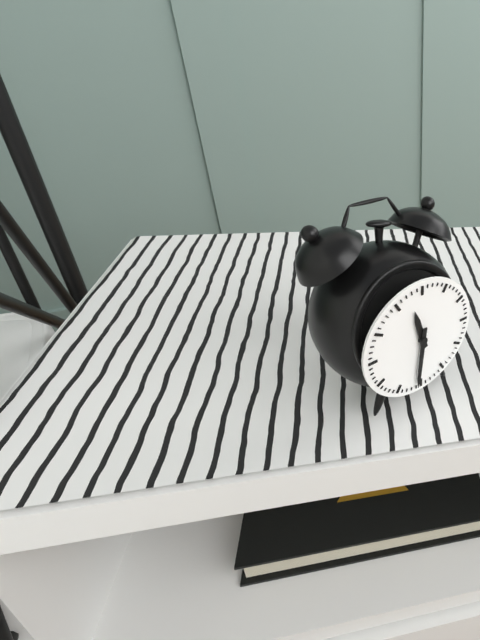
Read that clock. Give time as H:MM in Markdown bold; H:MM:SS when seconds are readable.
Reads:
**11:31**
